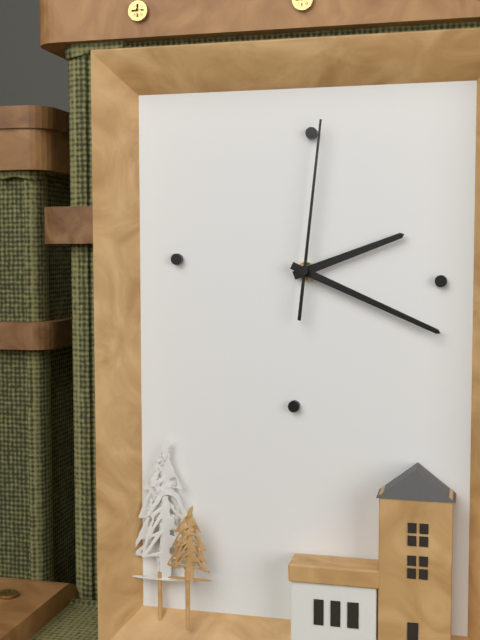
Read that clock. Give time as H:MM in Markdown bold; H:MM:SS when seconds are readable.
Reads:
**2:19:01**
